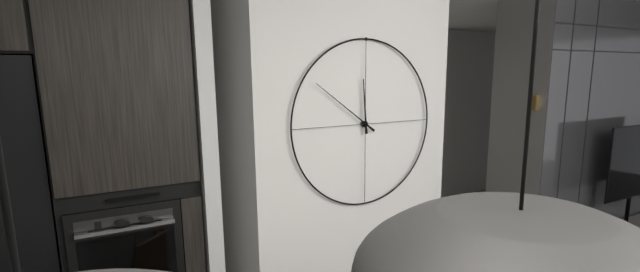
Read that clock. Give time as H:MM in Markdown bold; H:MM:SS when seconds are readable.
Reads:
**11:51**
